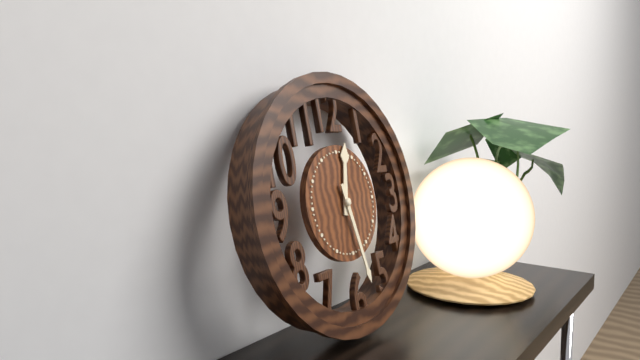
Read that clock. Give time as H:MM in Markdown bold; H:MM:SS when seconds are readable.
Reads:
**12:28**
